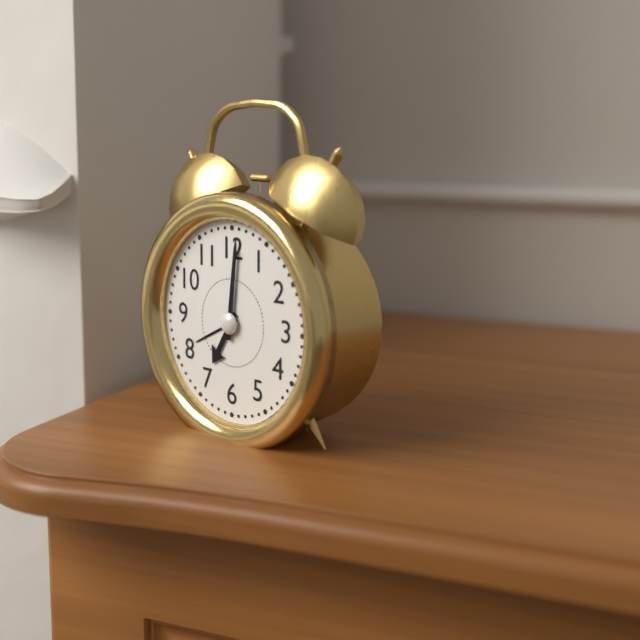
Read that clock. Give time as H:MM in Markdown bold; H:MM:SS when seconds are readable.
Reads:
**7:01**
